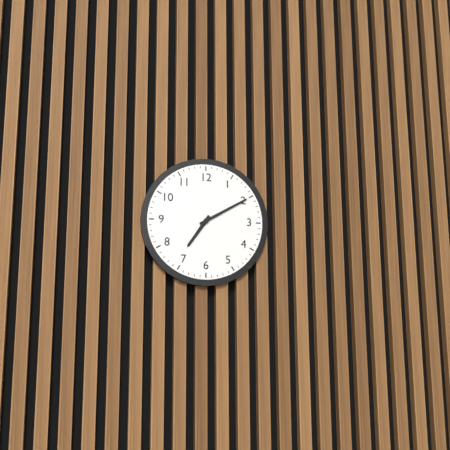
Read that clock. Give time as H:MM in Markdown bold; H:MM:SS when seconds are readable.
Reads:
**7:10**
